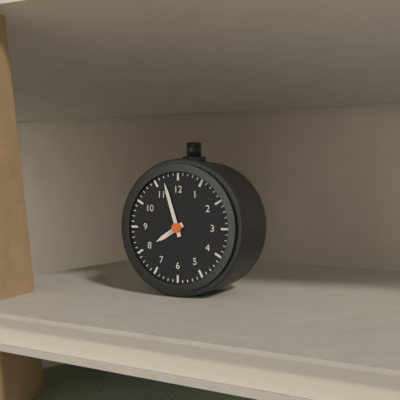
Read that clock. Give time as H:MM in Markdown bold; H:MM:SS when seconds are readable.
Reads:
**7:57**
